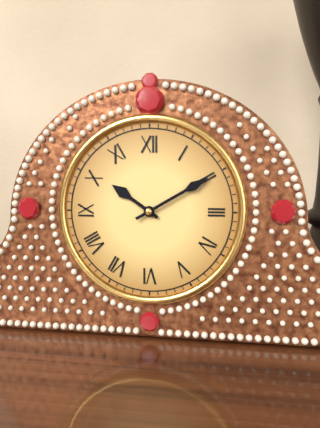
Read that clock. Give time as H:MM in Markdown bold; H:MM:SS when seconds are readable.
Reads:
**10:10**
